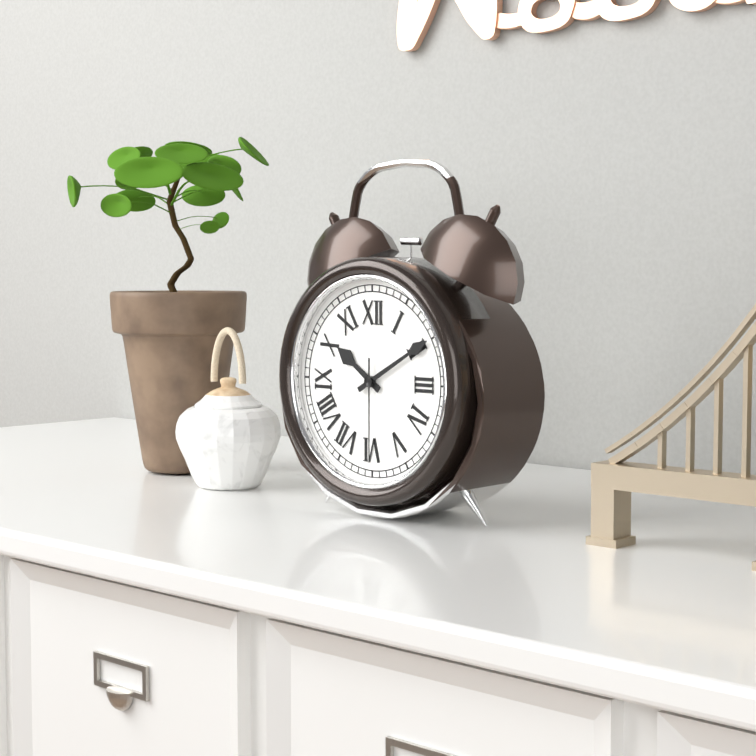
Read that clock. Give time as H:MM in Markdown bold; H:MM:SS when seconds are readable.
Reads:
**10:10:30**
